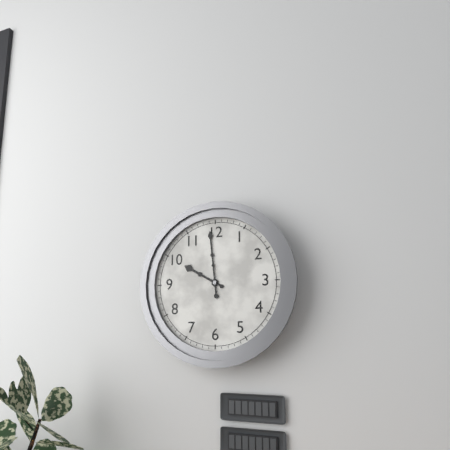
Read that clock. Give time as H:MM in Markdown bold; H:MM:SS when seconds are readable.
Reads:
**9:59**
